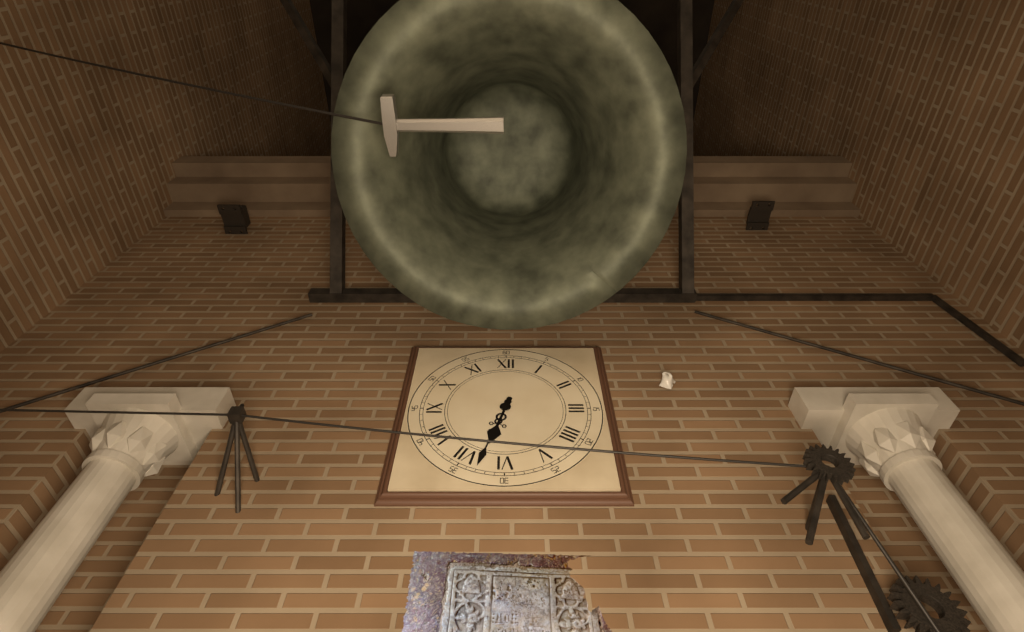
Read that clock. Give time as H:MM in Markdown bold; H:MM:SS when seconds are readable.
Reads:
**6:33**
